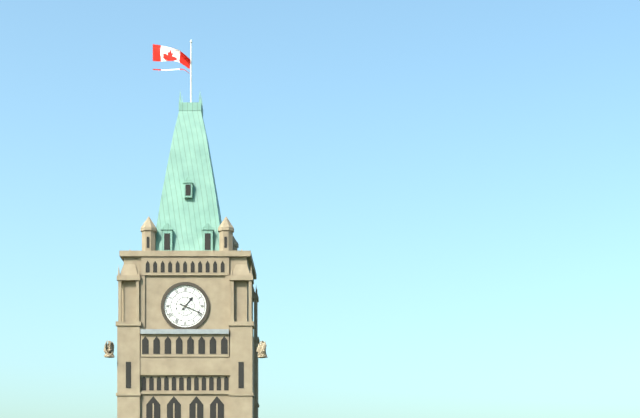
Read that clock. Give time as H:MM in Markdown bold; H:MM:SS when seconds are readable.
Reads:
**1:19**
